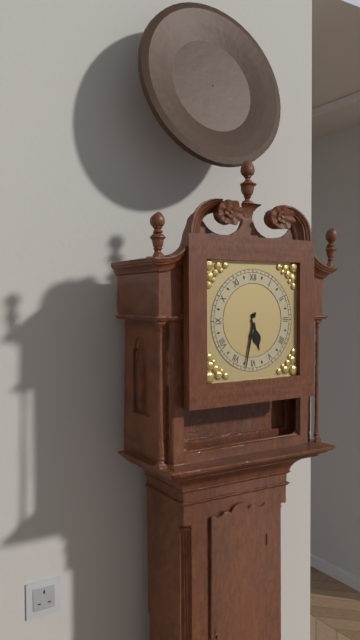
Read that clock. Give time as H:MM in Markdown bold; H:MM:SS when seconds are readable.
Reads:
**5:32**
